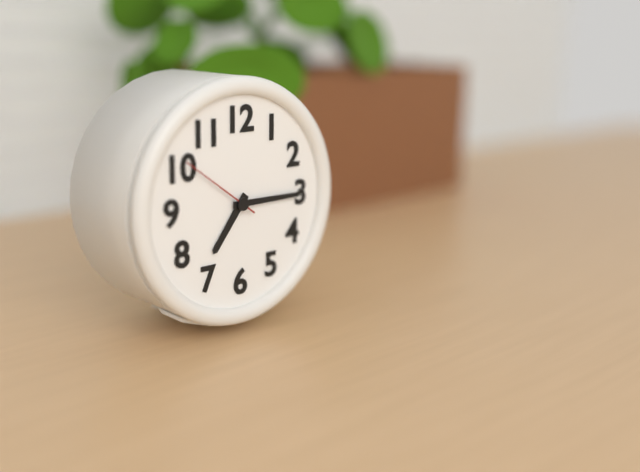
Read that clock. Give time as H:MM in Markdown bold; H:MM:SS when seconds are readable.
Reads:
**7:15:51**
